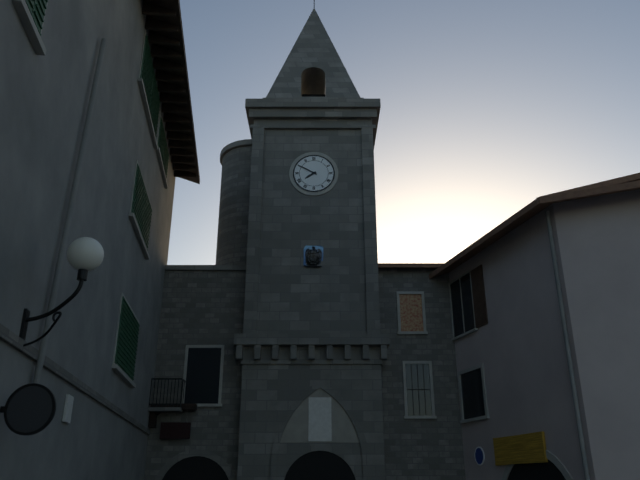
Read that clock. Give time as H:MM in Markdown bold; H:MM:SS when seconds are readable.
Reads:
**7:50**
